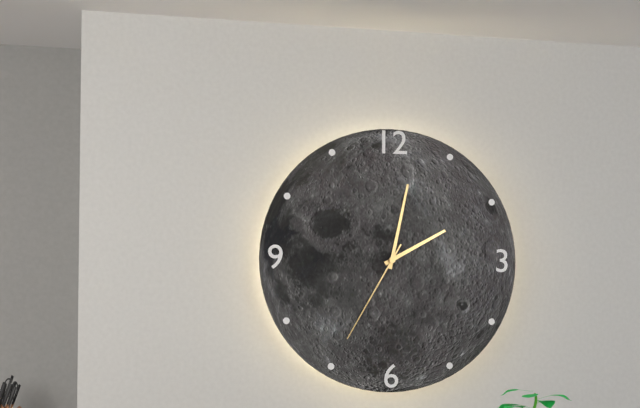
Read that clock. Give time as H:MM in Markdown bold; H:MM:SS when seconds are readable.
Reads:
**2:02:35**
